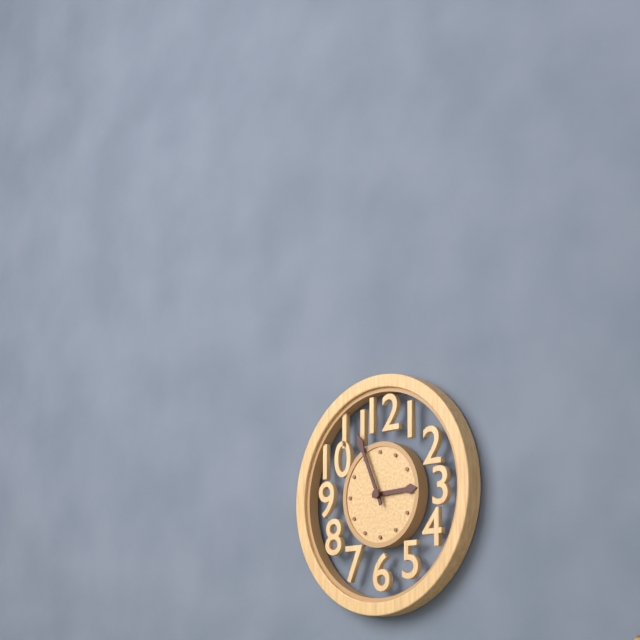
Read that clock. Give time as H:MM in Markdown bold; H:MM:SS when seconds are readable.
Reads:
**2:56**
